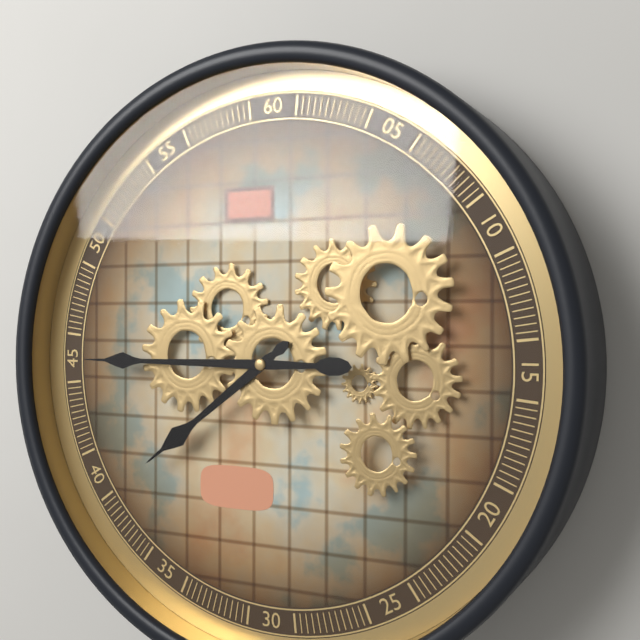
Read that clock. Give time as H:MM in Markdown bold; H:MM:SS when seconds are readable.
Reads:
**7:45**
